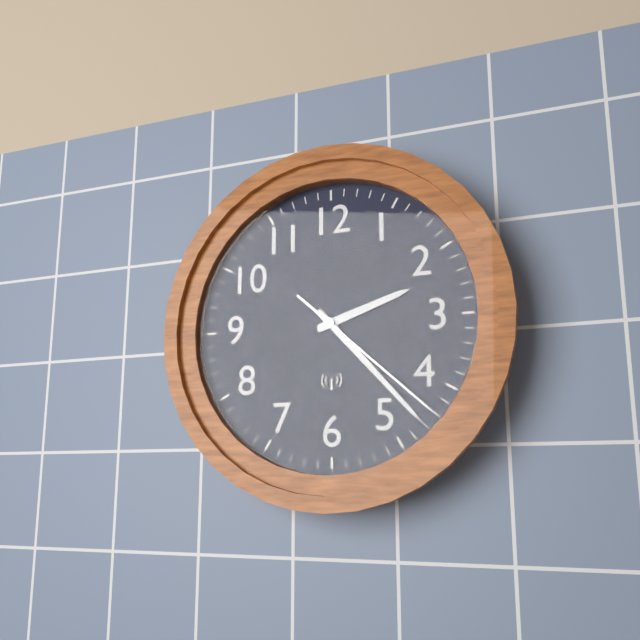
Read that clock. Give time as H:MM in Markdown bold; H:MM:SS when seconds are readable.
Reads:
**2:23:22**
